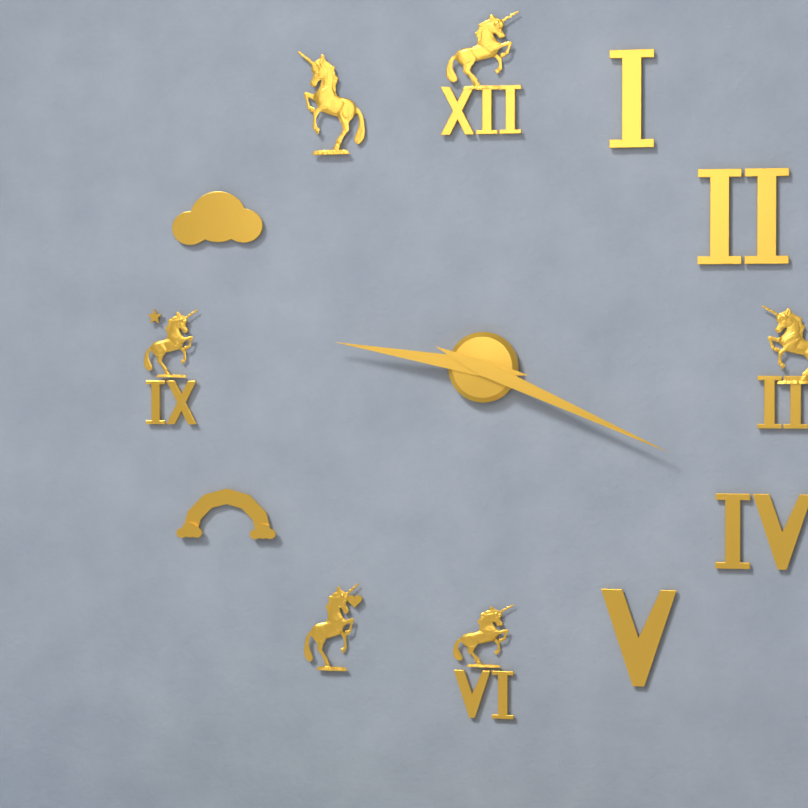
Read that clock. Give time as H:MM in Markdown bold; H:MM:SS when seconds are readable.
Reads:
**9:19**
